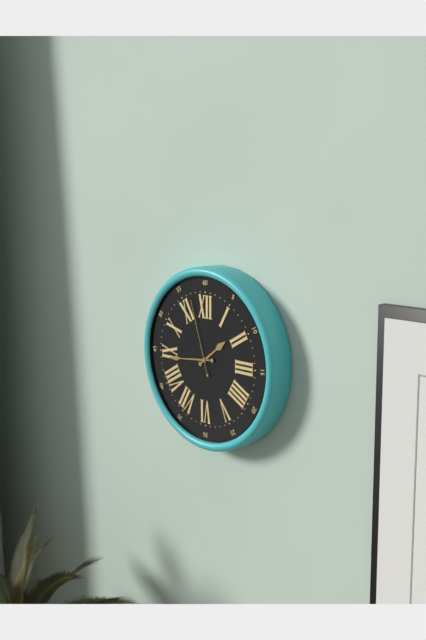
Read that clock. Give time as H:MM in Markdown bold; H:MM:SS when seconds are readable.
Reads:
**1:44:57**
